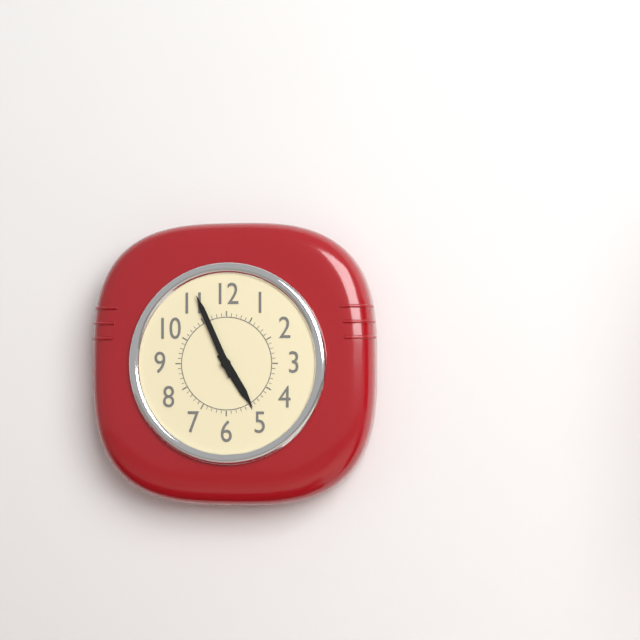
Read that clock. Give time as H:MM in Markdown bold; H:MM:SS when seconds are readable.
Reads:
**4:56**
